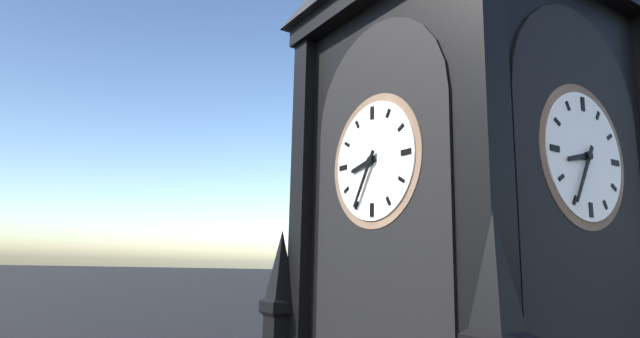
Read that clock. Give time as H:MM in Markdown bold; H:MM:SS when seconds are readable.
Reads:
**8:35**
